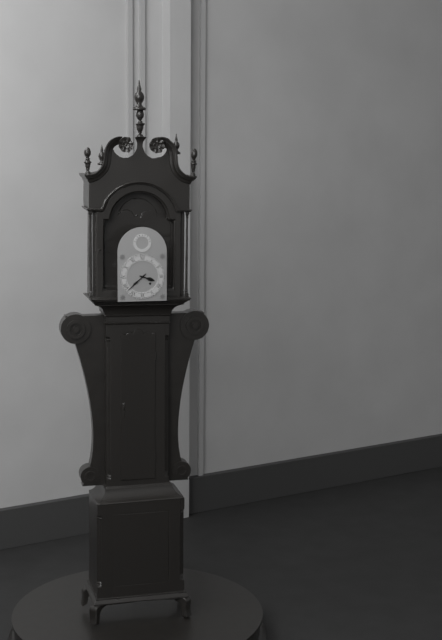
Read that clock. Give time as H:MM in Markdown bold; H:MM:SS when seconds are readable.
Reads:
**3:38**
